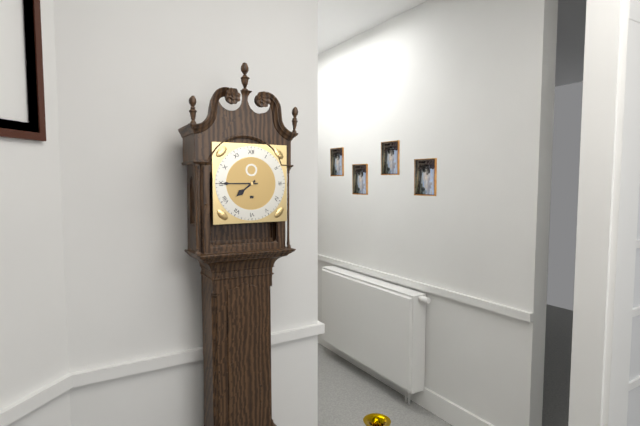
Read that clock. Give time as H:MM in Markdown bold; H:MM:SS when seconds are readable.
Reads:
**7:45**
